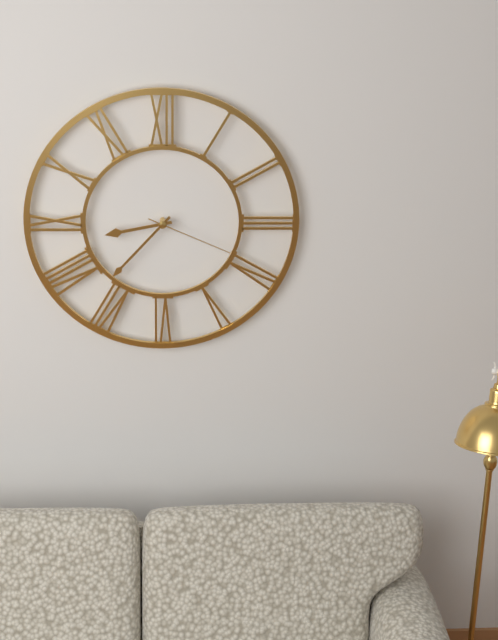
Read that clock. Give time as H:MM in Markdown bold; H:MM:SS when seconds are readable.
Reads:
**8:37:19**
